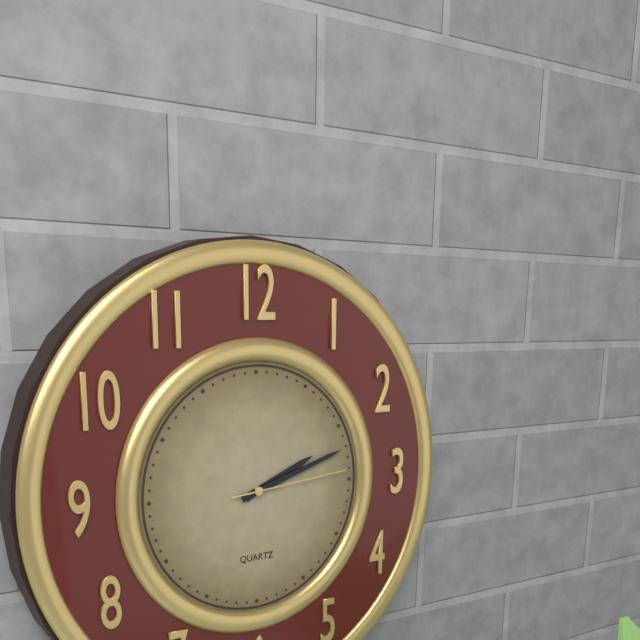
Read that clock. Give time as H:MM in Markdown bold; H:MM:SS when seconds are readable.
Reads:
**2:12:14**
